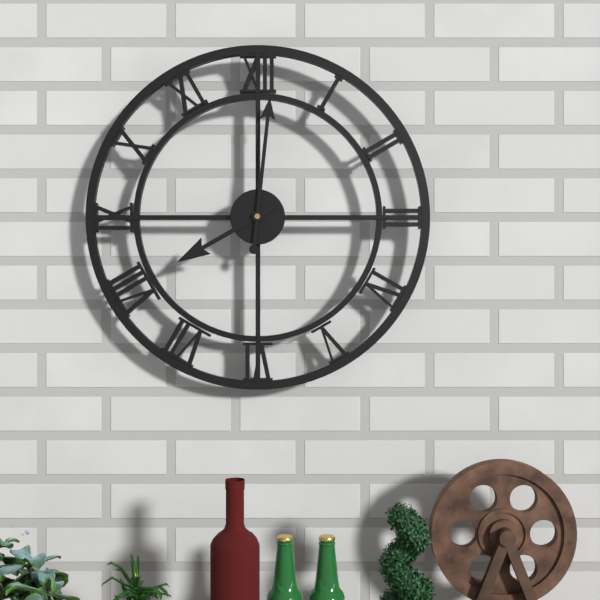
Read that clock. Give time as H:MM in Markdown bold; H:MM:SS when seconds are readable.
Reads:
**8:01**
